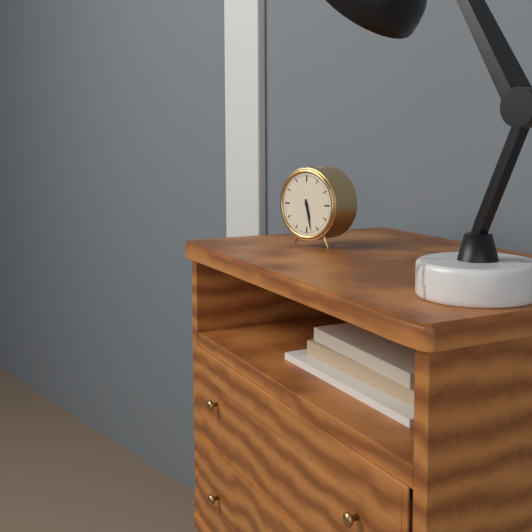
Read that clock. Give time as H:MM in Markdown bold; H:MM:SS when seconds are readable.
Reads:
**5:28**
